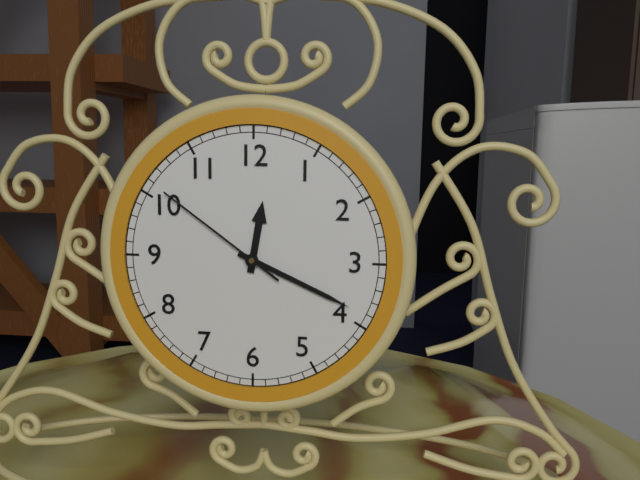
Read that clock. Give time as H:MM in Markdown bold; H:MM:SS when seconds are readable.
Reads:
**12:19:51**
